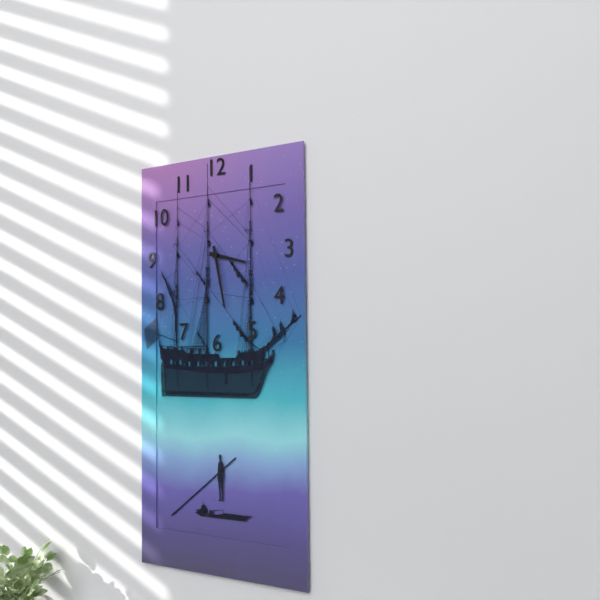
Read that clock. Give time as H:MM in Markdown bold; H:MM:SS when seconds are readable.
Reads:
**3:28**
